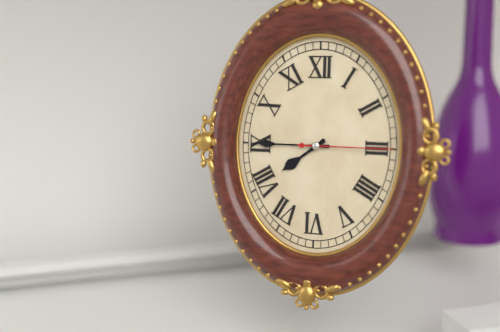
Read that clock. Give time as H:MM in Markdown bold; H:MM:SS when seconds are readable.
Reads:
**7:45:15**
